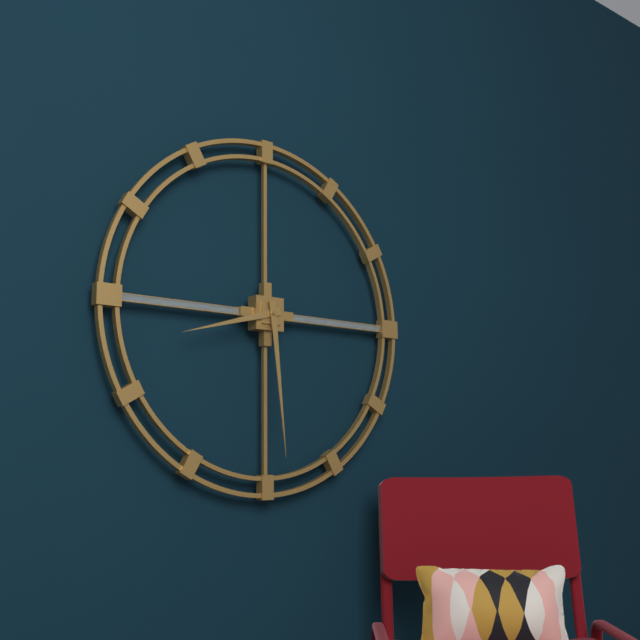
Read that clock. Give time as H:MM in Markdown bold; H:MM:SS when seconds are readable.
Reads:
**8:29**
